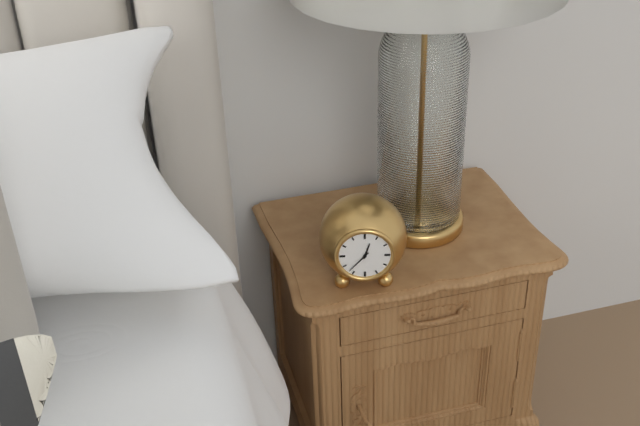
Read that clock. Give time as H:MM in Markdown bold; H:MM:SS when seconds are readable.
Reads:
**12:37**
